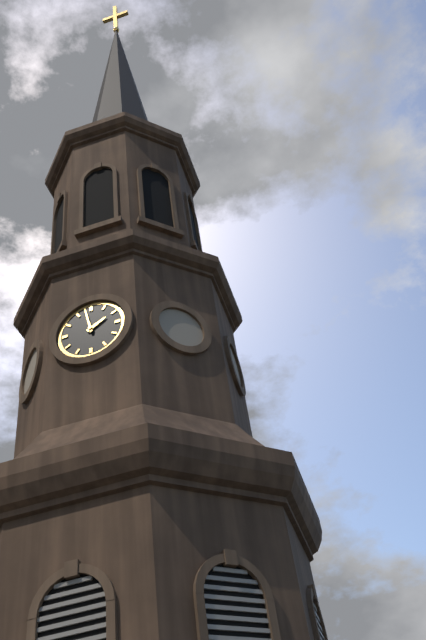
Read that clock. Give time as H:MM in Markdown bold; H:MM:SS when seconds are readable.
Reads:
**1:58**
